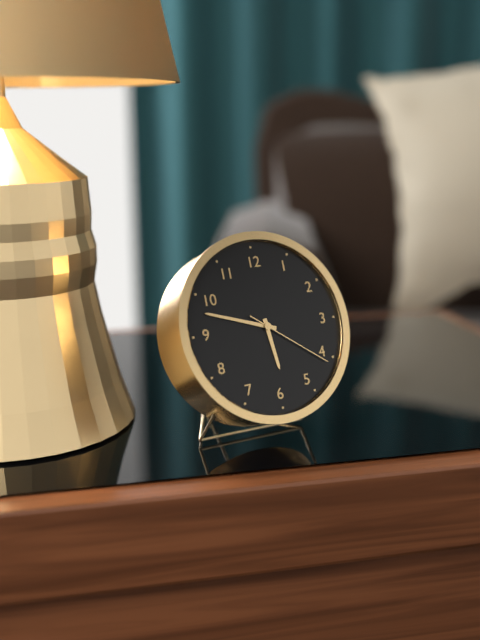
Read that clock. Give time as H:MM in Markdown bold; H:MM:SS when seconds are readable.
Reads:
**5:48:21**
